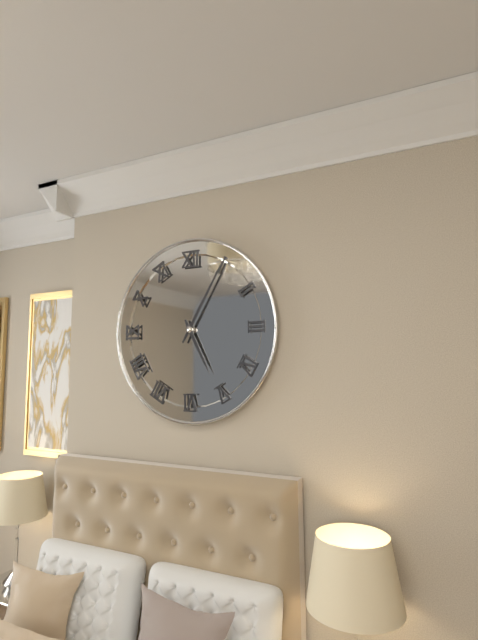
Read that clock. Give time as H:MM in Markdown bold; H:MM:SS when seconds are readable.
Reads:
**5:05**
